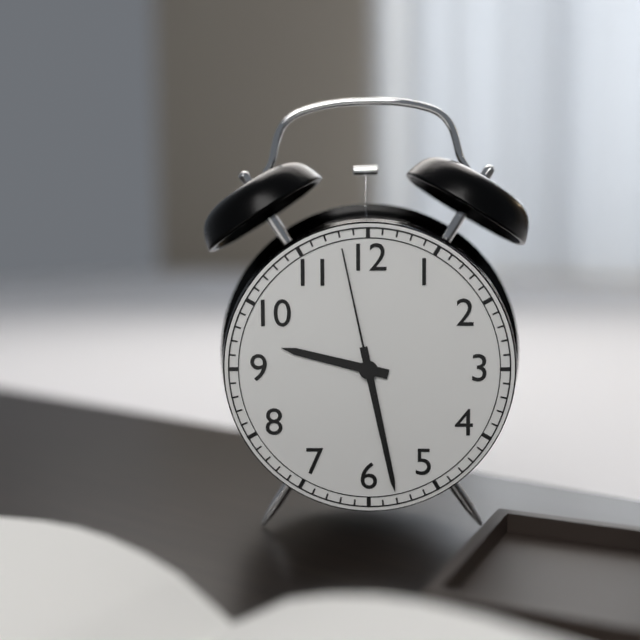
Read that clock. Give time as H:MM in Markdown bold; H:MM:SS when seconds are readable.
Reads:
**9:28:58**
